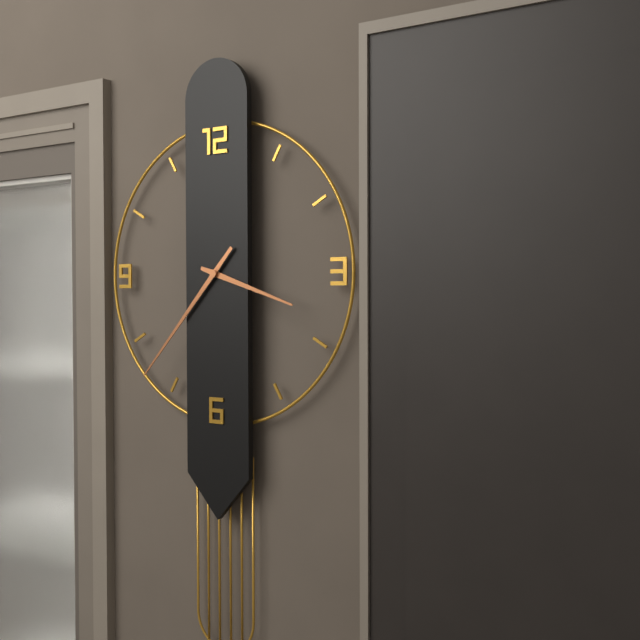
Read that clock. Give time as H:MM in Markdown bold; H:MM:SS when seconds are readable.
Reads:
**3:37**
